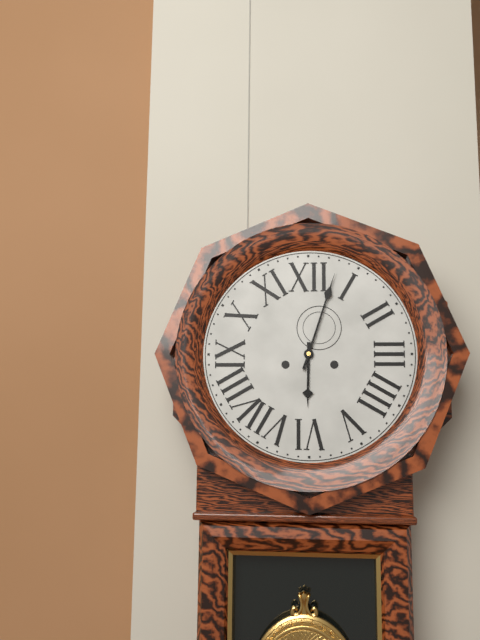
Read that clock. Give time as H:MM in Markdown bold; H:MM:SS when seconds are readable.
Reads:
**6:03**
